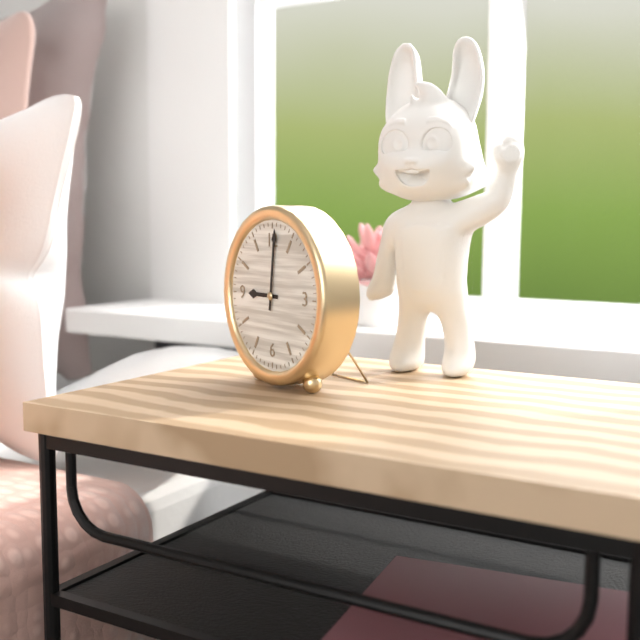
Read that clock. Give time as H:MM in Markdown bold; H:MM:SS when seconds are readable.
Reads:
**9:01**
